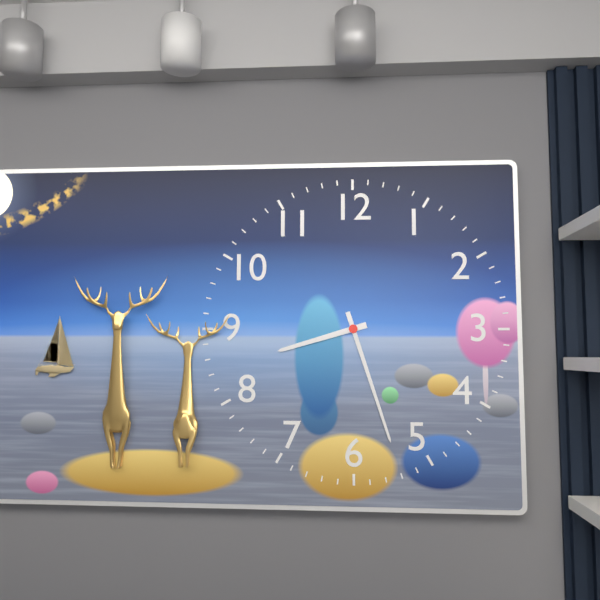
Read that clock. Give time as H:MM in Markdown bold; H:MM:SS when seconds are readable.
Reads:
**8:27**
